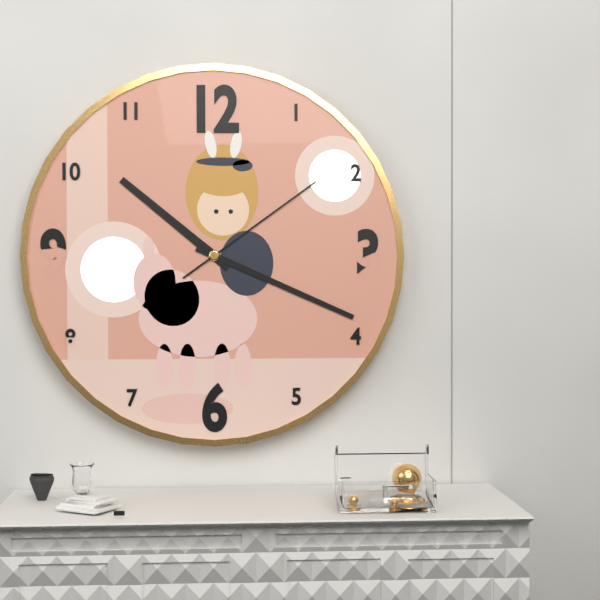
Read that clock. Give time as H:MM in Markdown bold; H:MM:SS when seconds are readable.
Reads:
**10:19:09**
